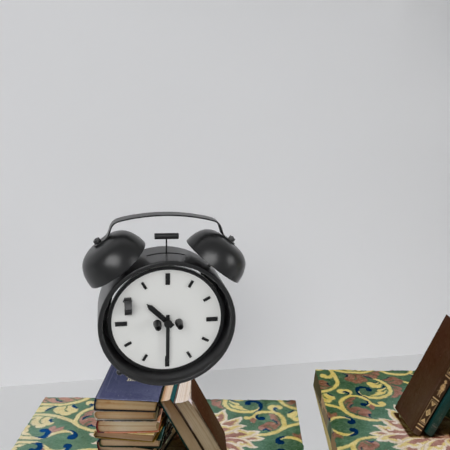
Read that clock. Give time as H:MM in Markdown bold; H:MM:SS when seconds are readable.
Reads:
**10:30**
